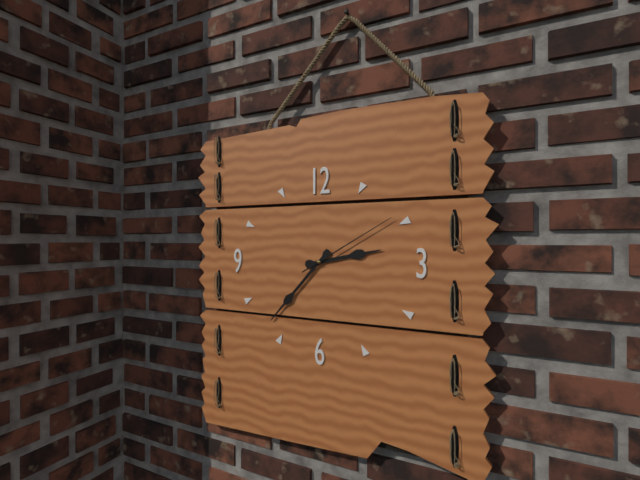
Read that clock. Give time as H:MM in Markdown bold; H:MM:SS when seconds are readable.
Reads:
**2:37:10**
